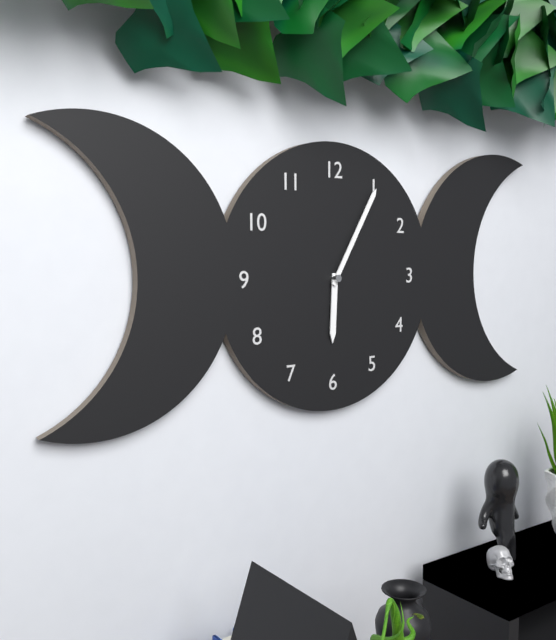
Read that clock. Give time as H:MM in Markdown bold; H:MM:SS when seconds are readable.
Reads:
**6:05**
